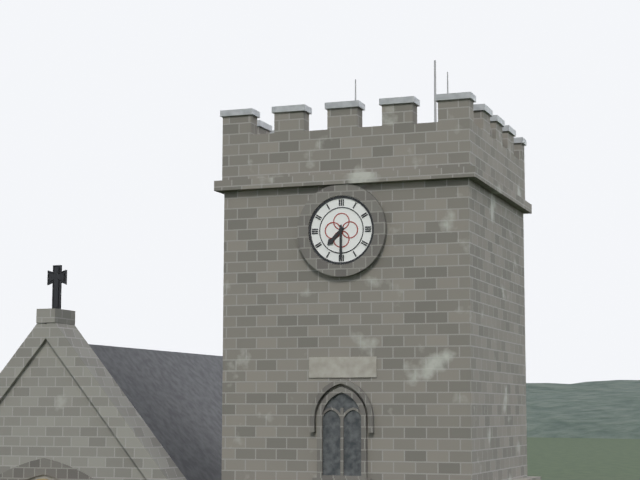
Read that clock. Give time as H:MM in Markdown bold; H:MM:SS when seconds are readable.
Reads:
**7:30**
